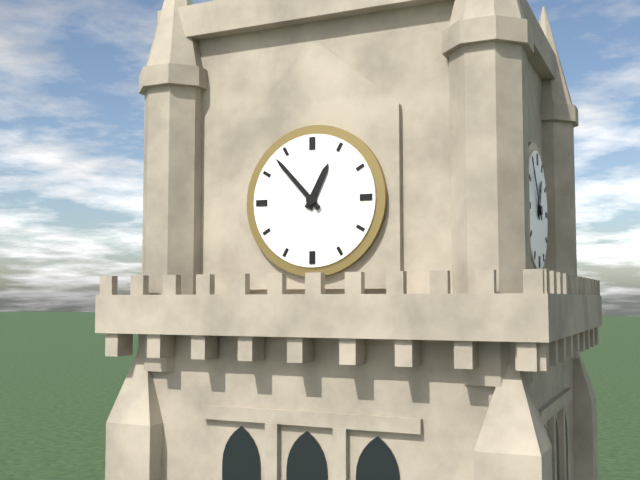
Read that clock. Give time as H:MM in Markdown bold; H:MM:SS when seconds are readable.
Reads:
**12:53**
